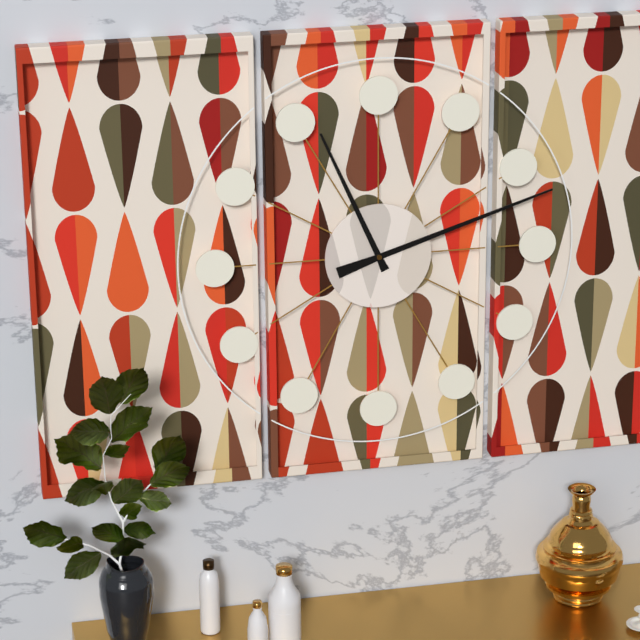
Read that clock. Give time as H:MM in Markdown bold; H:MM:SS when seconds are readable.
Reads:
**11:12**
